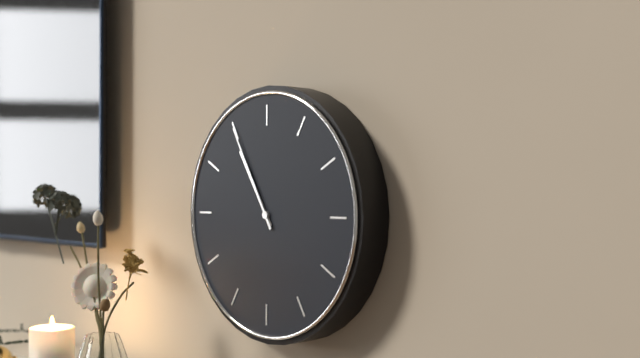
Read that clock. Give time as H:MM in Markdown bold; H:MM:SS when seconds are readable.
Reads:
**10:55**
